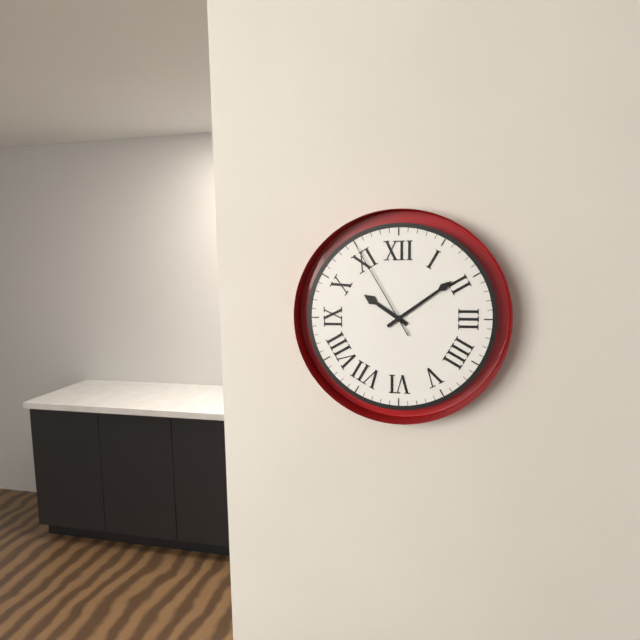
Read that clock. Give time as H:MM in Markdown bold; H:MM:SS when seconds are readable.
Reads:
**10:09:55**
